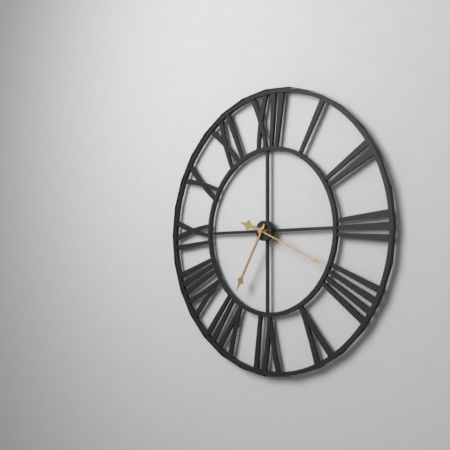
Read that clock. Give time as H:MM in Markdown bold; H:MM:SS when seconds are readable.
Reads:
**9:35:19**
